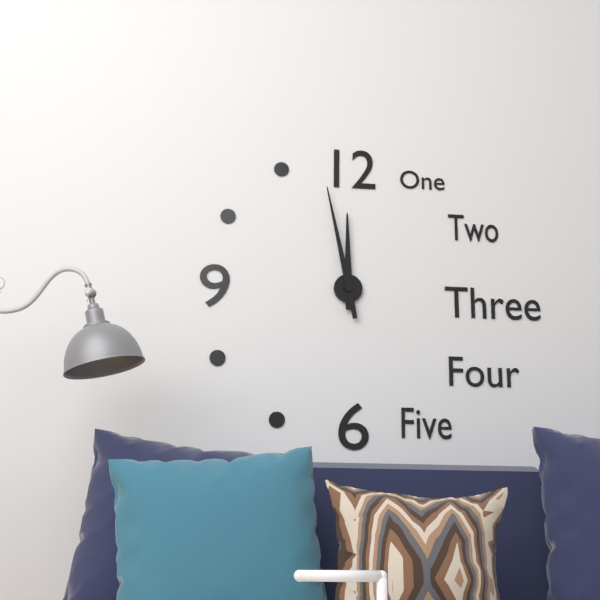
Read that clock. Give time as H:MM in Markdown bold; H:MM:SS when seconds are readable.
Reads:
**11:58**
